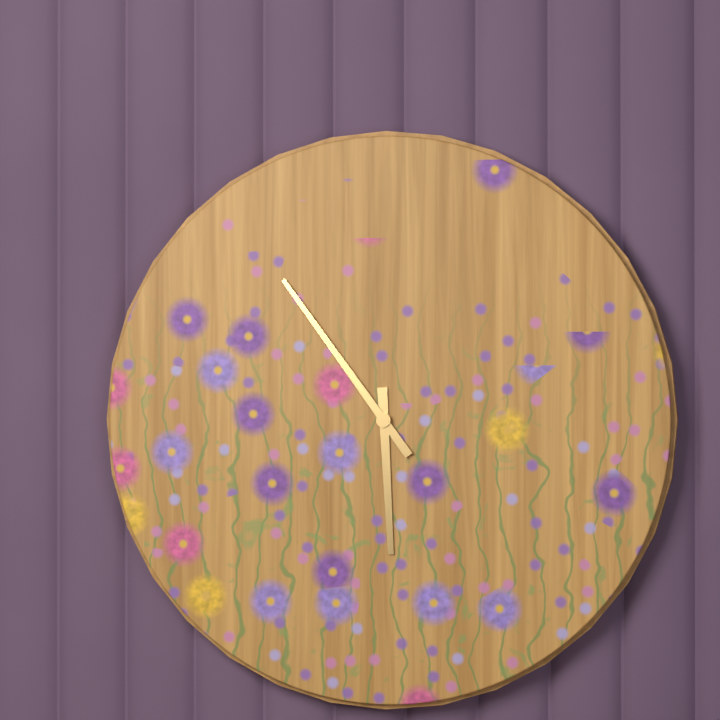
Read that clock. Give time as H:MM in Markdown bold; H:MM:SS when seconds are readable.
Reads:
**5:54**
